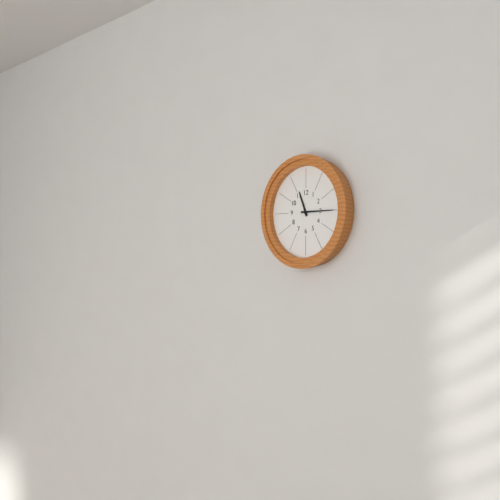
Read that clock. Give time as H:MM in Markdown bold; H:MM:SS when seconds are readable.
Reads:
**11:15**
